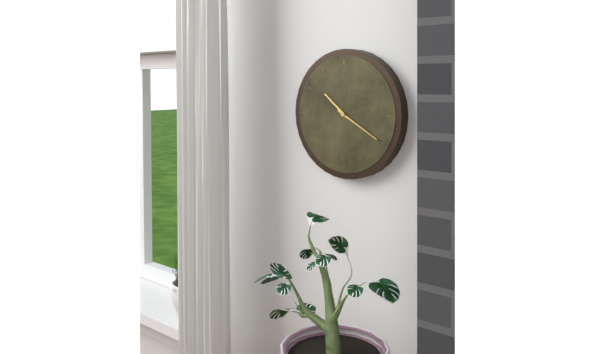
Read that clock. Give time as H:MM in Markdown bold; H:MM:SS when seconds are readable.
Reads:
**10:20**
